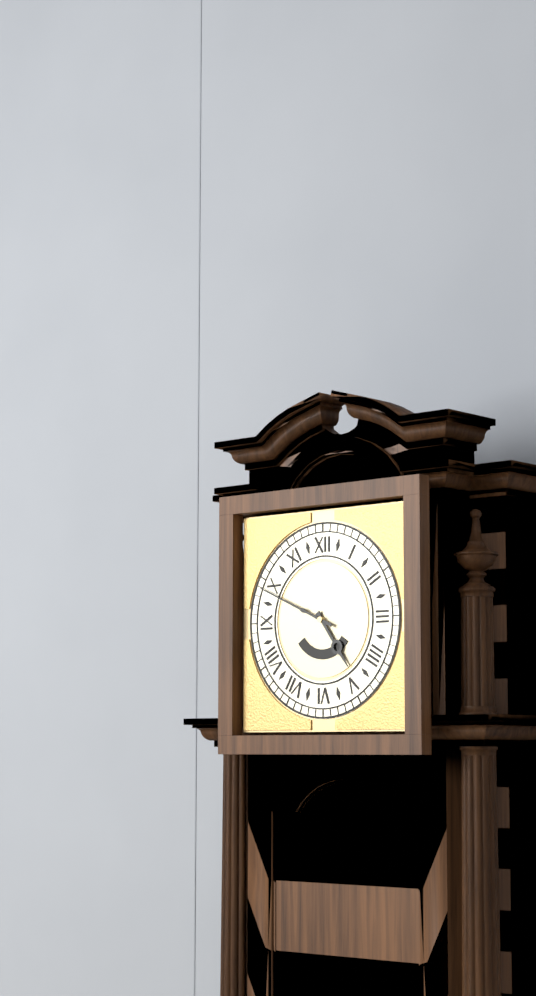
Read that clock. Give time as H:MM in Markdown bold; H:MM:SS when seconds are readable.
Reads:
**4:49**
